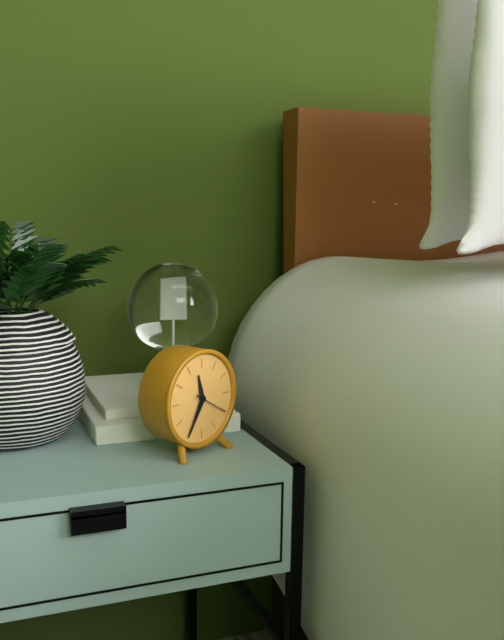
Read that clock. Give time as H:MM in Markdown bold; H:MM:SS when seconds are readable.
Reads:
**11:35**
